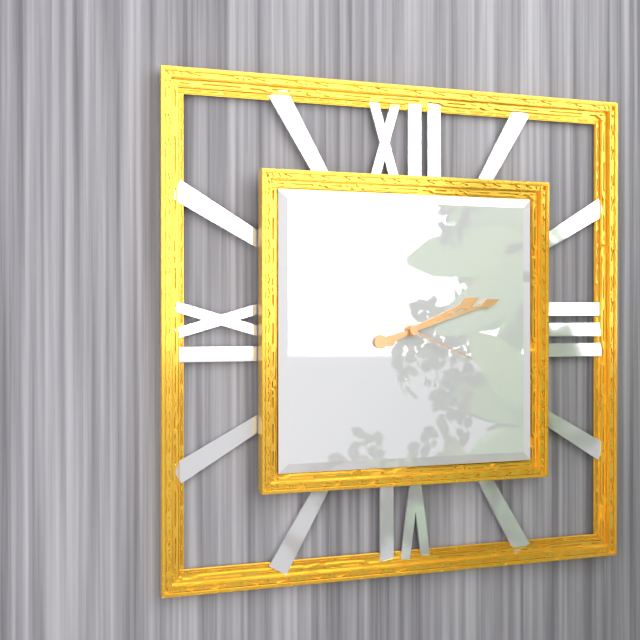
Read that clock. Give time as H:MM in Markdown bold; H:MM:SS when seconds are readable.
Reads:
**2:12:19**
